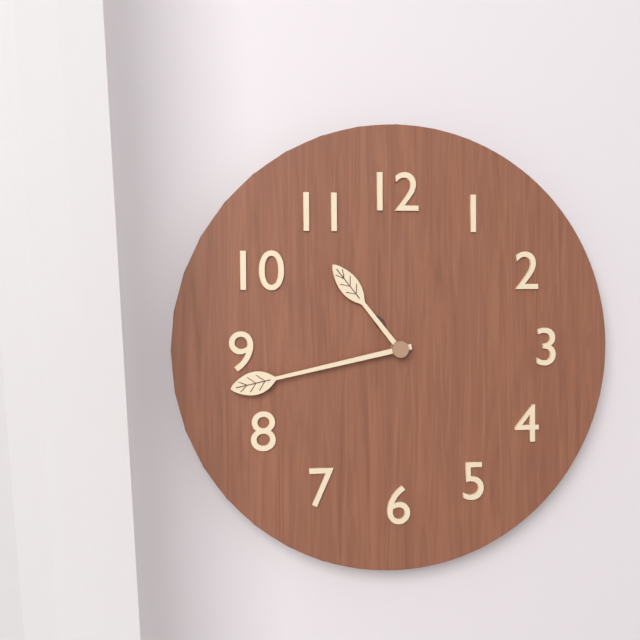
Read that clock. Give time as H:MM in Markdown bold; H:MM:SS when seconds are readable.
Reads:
**10:43**
